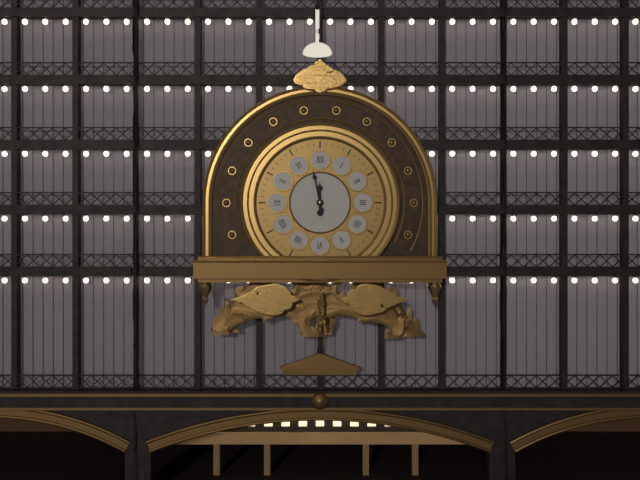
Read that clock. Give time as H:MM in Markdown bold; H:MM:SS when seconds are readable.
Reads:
**11:58**
